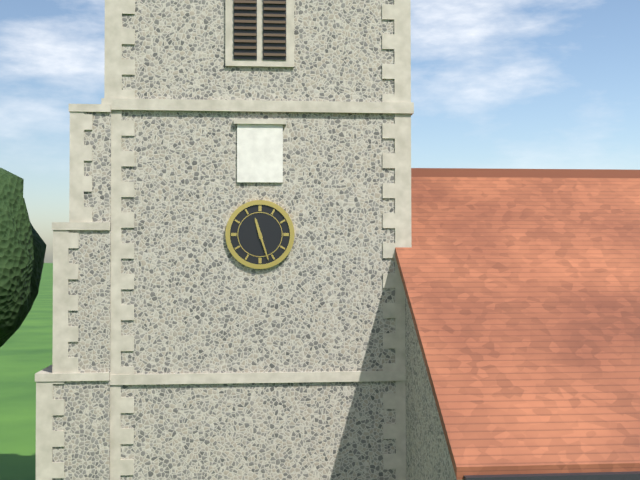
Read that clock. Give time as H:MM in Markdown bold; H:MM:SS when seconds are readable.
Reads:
**11:27**
